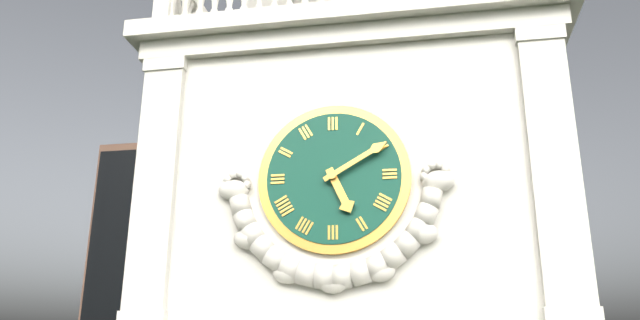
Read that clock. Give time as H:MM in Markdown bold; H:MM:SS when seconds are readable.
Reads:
**5:10**
